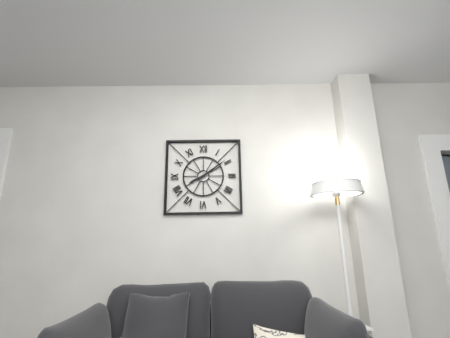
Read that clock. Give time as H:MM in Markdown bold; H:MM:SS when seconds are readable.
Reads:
**8:09**
